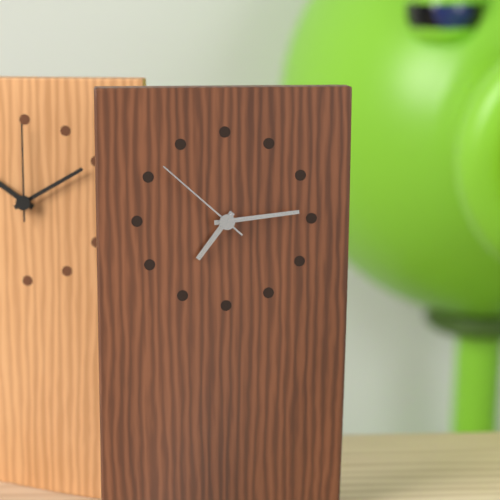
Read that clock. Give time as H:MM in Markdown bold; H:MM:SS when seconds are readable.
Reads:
**7:14:52**
